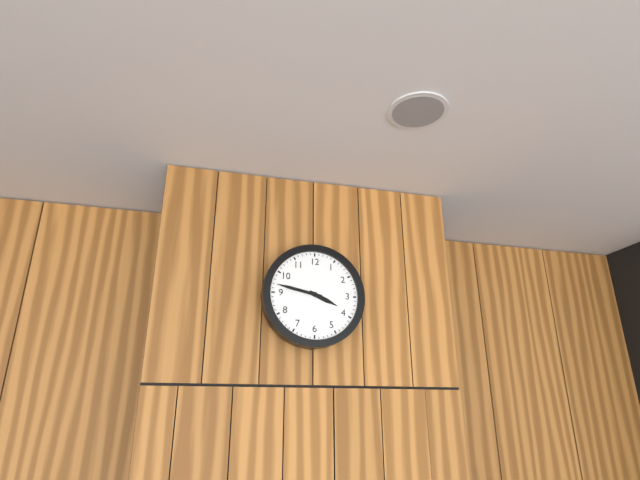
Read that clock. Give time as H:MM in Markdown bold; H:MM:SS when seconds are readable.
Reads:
**3:47**
